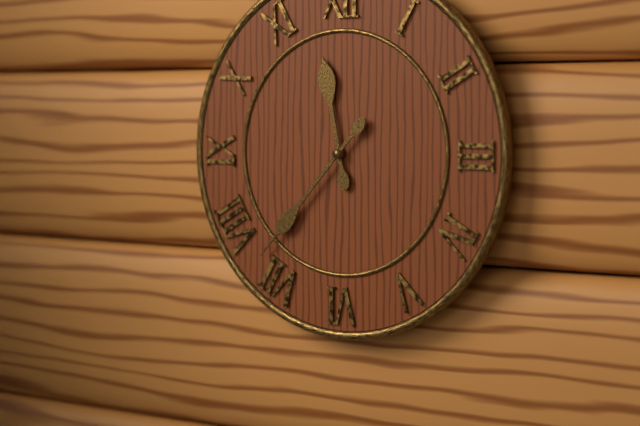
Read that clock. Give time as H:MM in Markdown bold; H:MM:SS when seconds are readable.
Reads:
**11:37**
